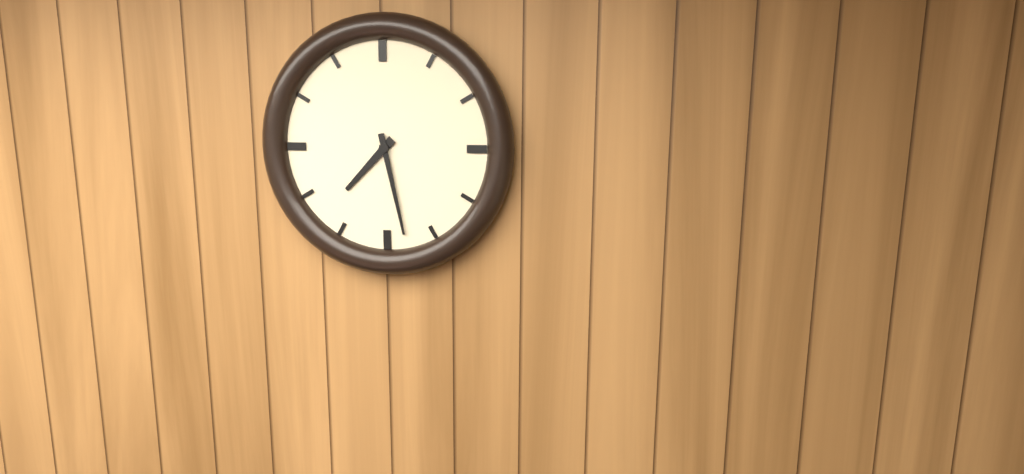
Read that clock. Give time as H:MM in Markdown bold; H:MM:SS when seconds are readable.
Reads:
**7:28**
